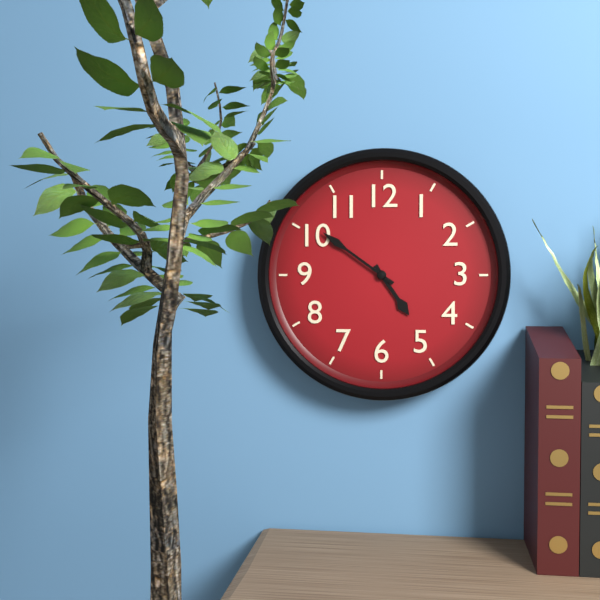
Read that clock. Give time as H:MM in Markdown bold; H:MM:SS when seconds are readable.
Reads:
**4:51**
